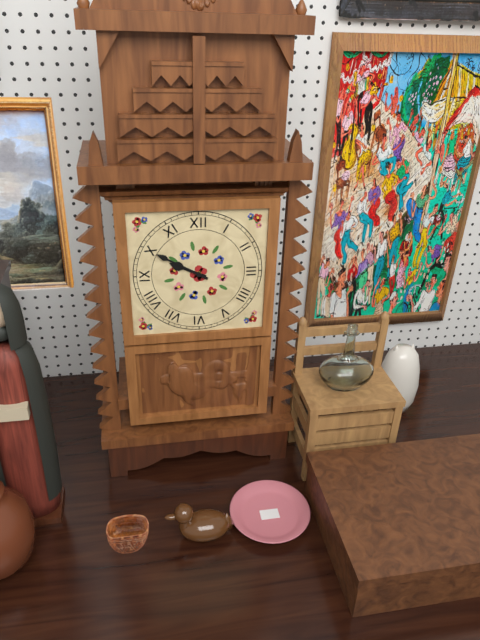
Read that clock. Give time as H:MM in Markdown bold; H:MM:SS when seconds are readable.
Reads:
**9:50**
